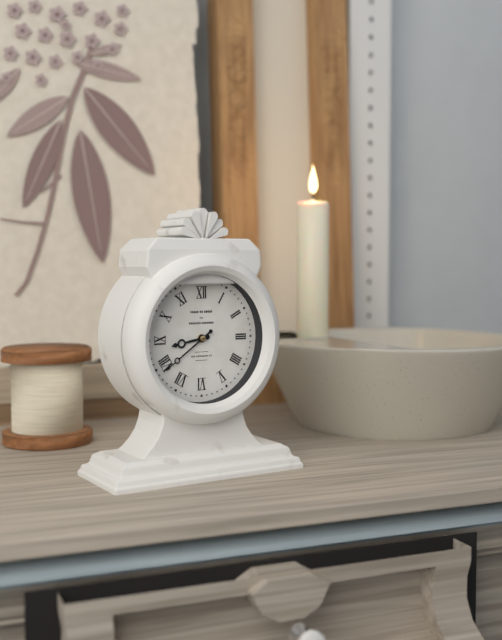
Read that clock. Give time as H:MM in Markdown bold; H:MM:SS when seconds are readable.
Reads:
**8:39**
